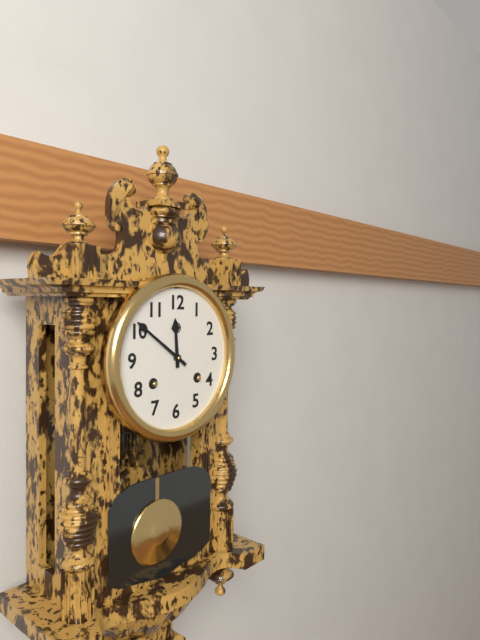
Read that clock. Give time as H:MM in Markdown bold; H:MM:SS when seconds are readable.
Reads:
**11:51**
